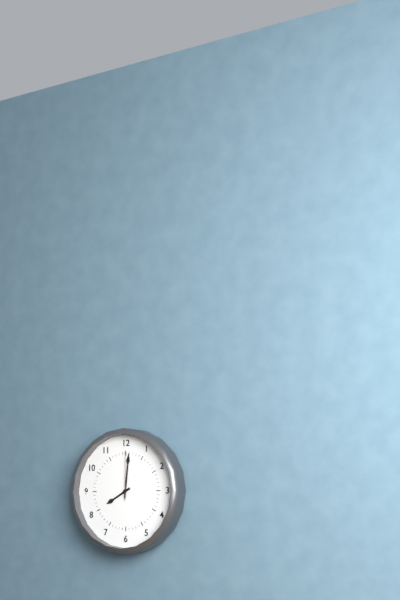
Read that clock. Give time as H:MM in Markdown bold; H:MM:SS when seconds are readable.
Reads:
**8:01:00**
